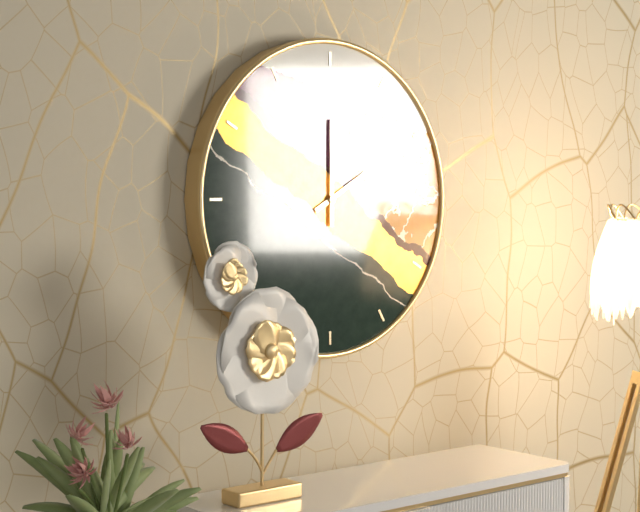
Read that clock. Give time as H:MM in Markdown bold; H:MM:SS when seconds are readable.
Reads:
**2:00**
